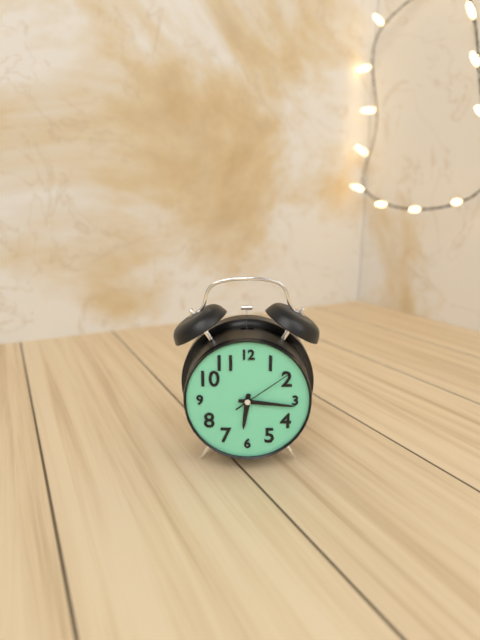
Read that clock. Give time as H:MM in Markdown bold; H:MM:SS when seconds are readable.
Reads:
**6:16:09**
